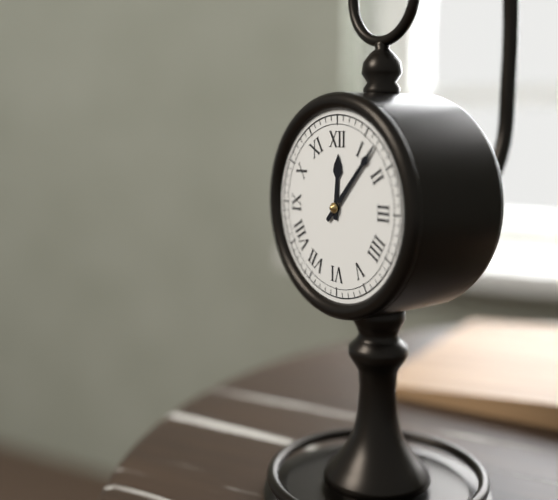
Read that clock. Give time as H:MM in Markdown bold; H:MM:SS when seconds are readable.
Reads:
**12:07**
